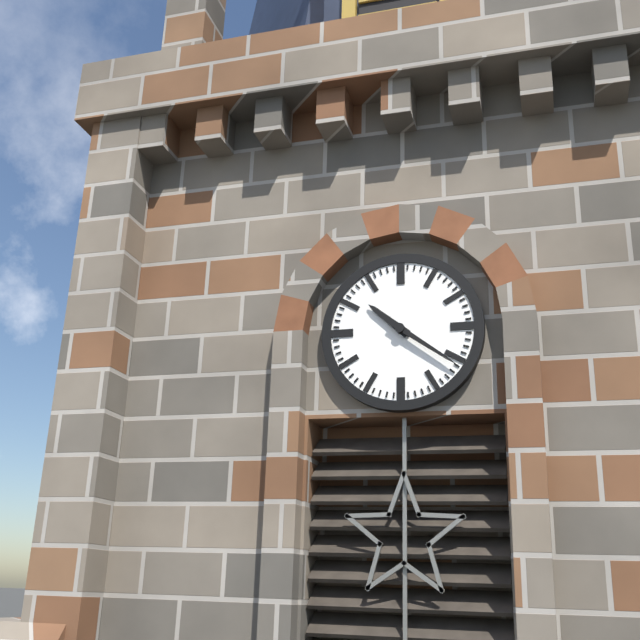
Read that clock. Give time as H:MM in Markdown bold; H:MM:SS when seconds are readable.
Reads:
**10:21**
